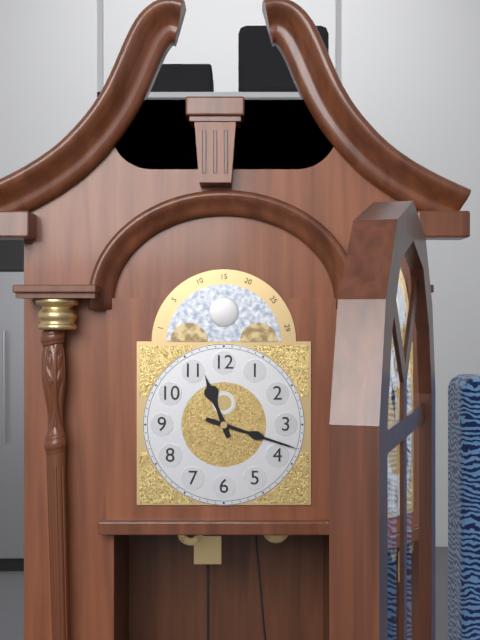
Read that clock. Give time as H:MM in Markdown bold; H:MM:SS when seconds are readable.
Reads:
**11:18**
